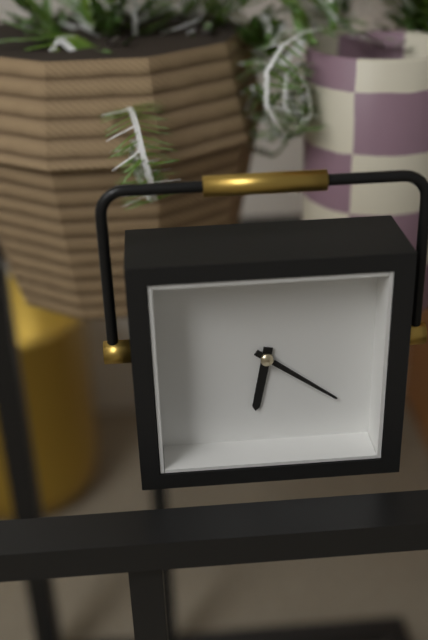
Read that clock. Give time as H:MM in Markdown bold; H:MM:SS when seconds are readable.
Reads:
**6:21**
